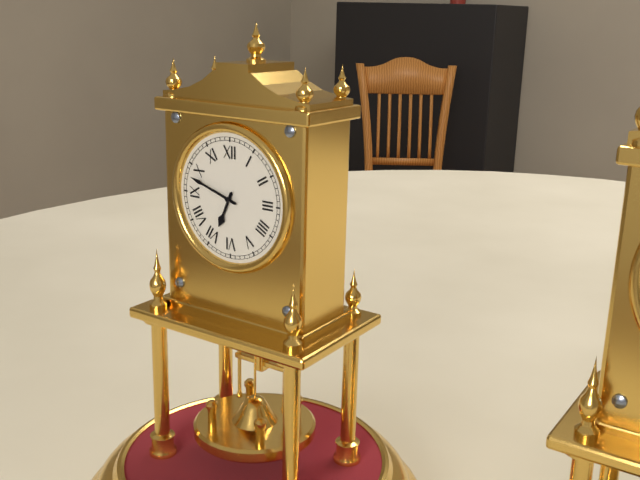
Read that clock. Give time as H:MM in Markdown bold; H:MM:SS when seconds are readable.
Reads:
**6:48**
